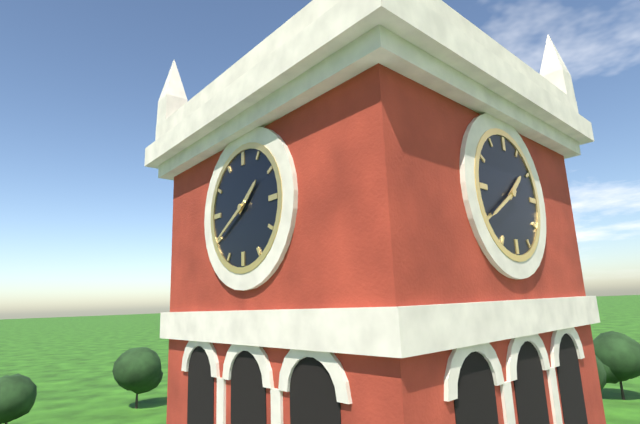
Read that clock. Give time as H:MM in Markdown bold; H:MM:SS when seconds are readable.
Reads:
**1:40**
